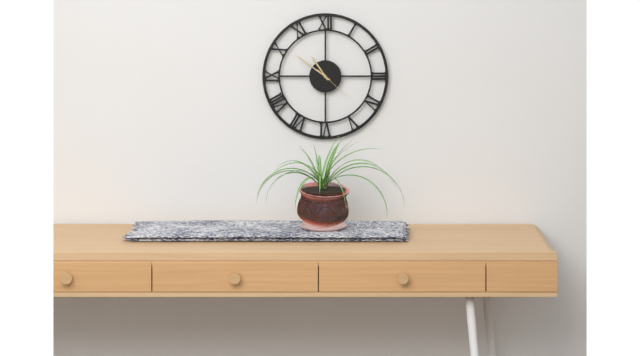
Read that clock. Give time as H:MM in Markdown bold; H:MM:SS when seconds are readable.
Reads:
**10:51**
